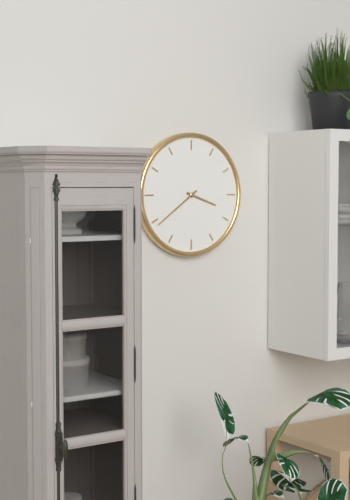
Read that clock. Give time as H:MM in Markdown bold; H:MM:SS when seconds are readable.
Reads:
**3:39**
